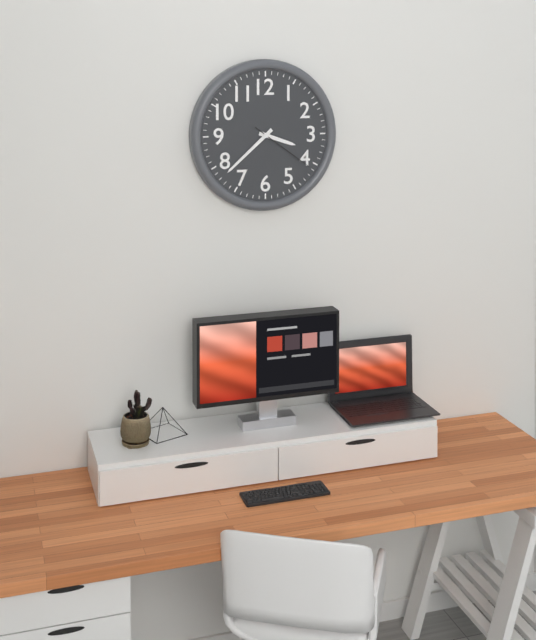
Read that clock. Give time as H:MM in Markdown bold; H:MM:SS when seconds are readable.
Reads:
**3:38:21**
